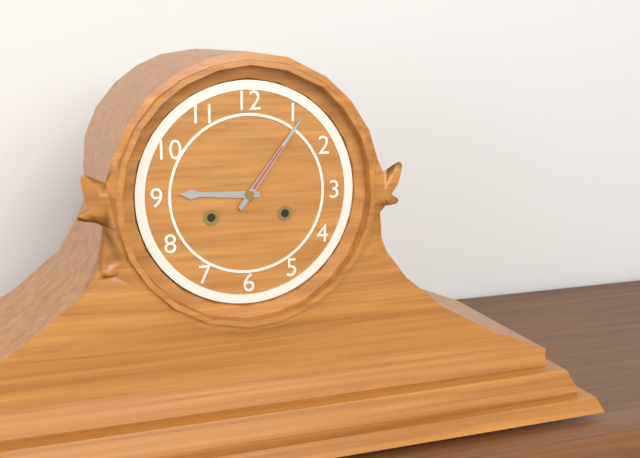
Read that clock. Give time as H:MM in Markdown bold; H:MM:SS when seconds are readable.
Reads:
**9:06**
